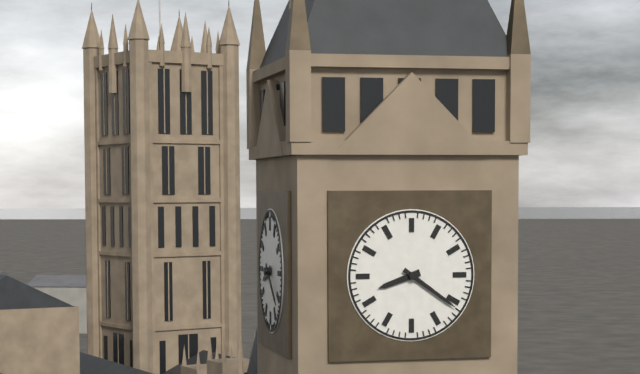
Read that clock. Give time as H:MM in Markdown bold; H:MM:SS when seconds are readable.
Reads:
**8:21**
